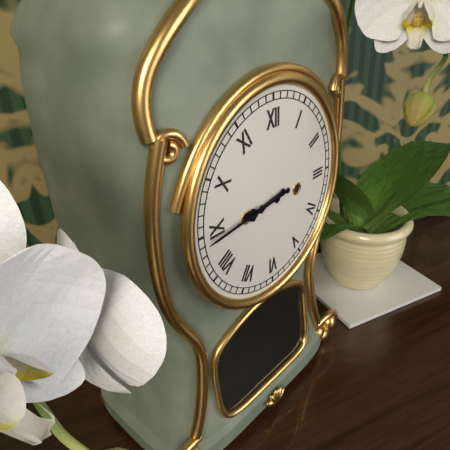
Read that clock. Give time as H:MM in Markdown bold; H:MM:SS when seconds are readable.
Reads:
**8:44**
